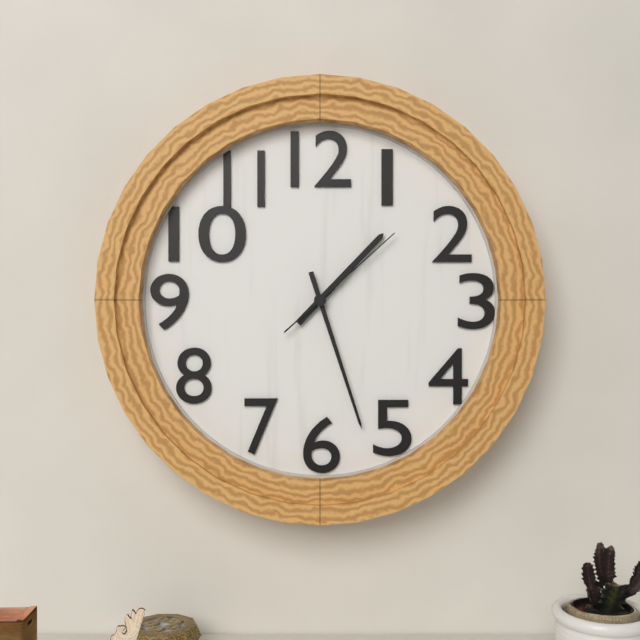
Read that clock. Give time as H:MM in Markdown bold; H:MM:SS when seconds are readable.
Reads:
**1:27:08**
